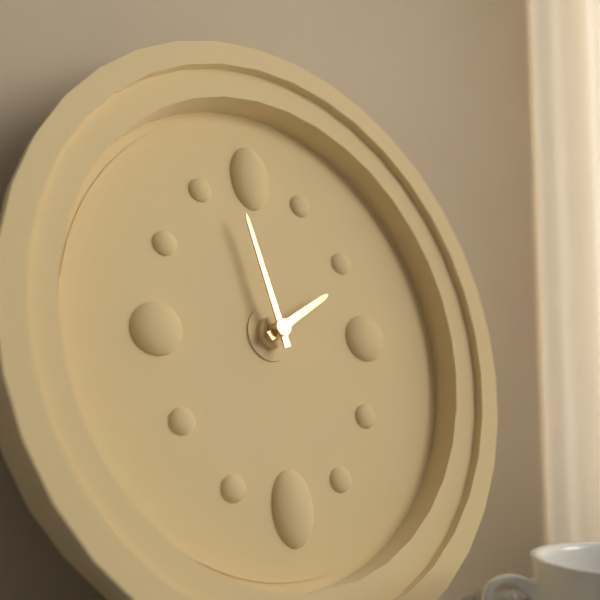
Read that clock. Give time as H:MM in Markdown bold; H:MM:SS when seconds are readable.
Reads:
**1:58**
